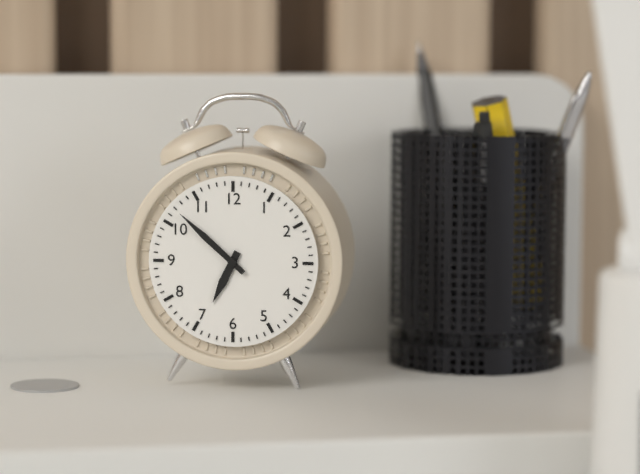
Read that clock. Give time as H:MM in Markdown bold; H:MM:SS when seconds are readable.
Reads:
**6:52**
